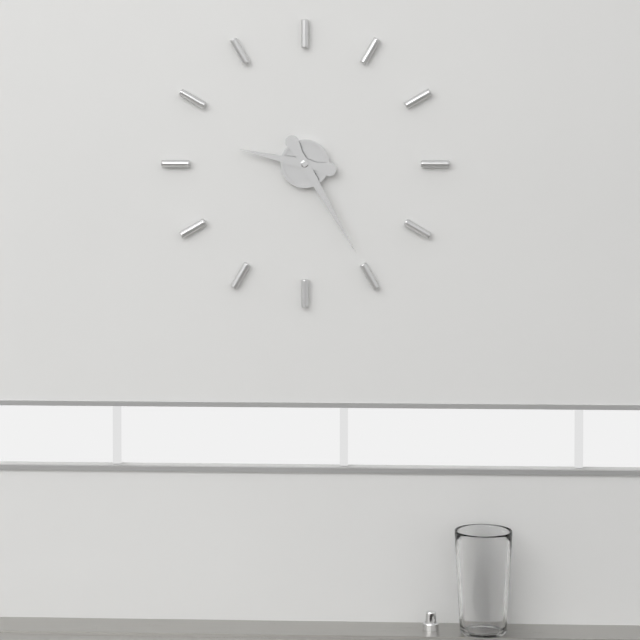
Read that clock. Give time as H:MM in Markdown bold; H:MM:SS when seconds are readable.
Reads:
**9:25**
